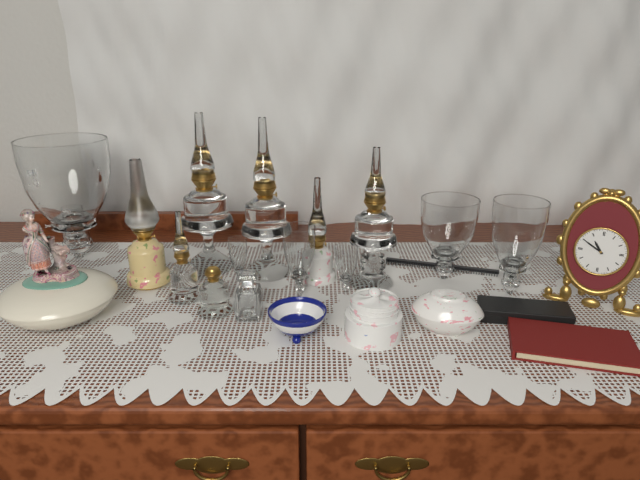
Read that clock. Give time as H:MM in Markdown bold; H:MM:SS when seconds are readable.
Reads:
**10:50**
